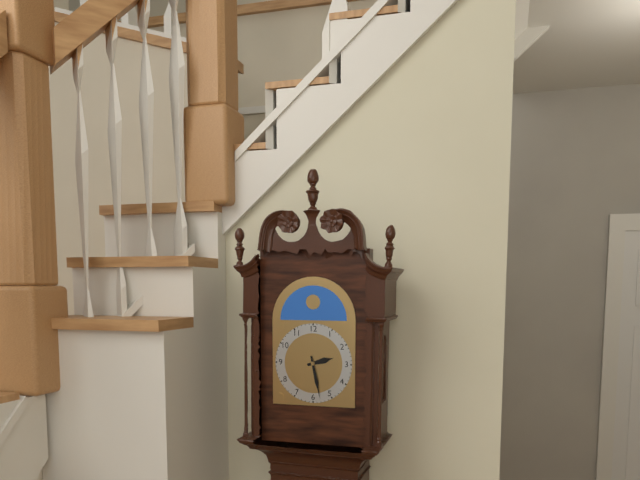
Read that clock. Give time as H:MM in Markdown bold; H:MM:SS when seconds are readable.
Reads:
**2:28**
